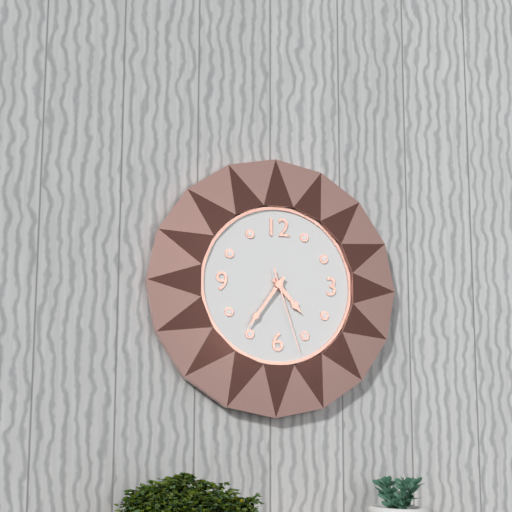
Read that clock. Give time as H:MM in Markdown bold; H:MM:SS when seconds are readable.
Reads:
**4:36:27**
